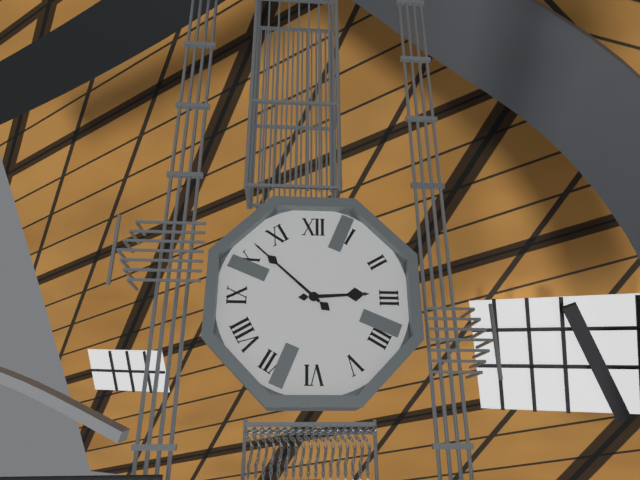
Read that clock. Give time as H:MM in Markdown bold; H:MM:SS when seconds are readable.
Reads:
**2:52**
